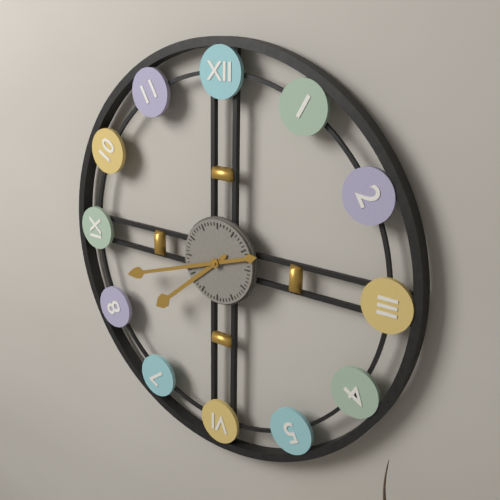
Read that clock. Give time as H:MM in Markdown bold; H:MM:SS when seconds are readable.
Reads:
**7:42**
